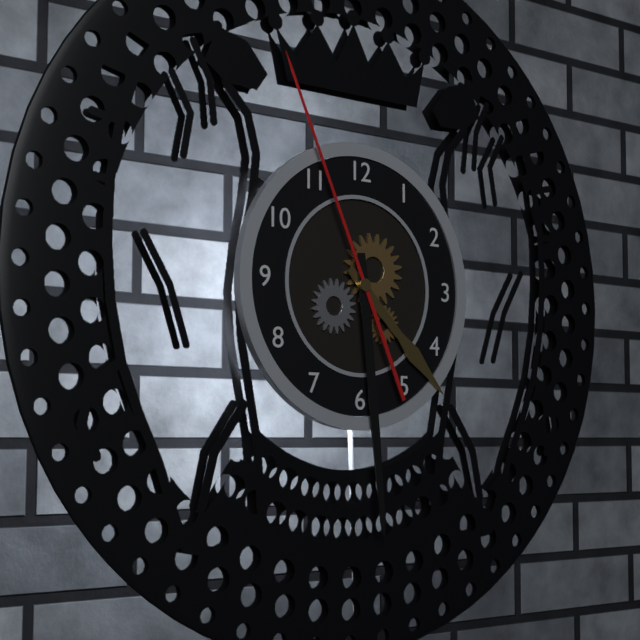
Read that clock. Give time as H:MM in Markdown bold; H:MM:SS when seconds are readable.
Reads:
**4:29:56**
